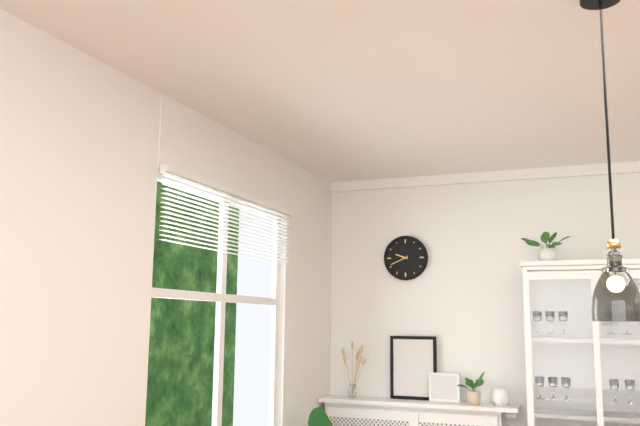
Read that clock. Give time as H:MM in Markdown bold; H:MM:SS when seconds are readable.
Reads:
**9:41**
